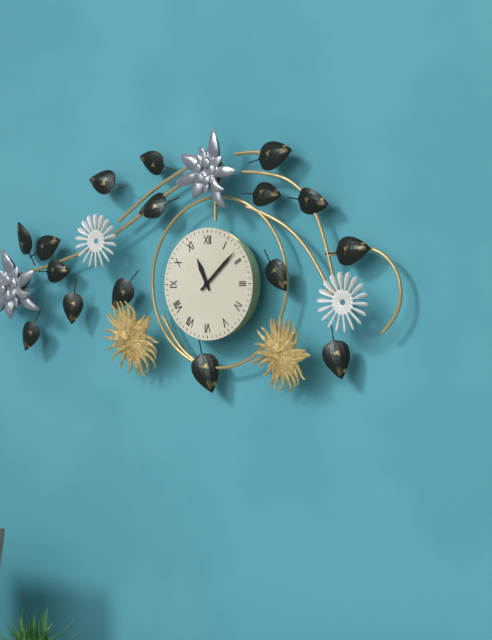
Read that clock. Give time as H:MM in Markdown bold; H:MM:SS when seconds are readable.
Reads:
**11:08**
